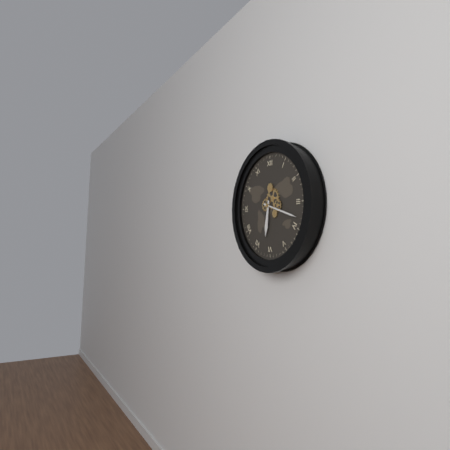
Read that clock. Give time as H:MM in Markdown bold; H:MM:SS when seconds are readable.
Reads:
**6:18**
